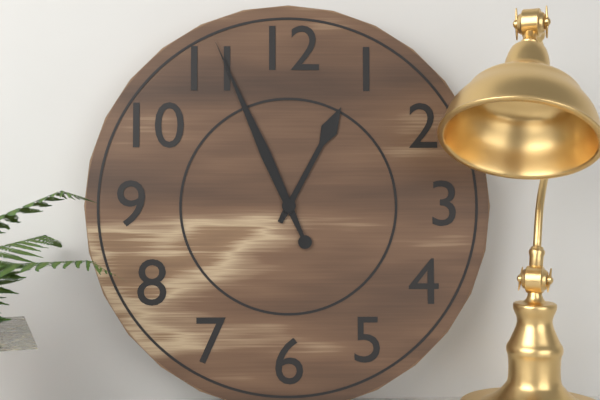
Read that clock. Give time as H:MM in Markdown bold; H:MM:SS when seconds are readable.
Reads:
**12:56**
